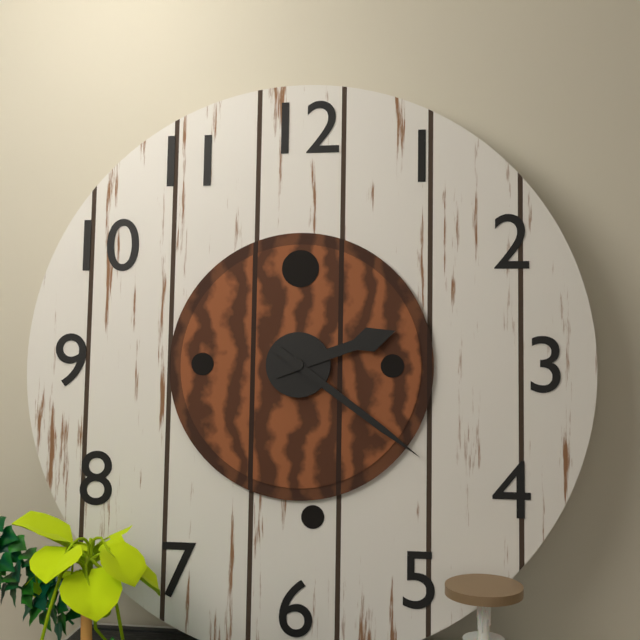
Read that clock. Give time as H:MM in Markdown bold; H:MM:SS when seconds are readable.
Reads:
**2:21**
